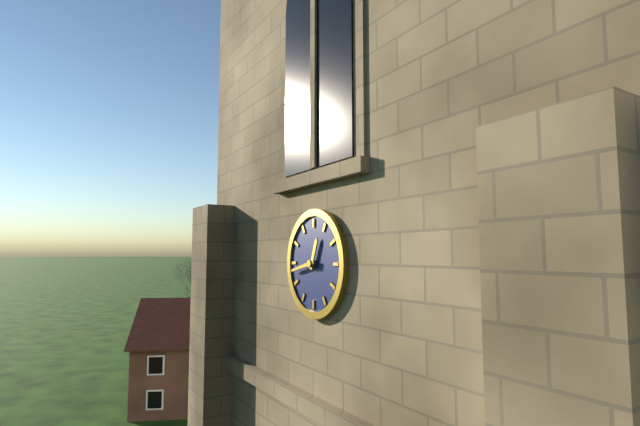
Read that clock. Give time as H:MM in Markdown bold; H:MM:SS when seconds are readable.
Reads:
**12:43**
